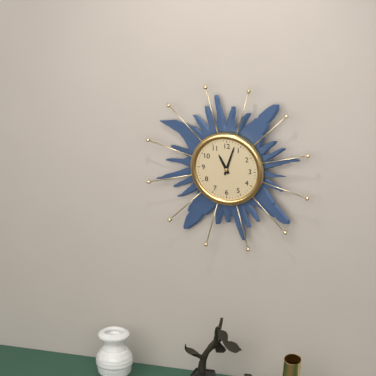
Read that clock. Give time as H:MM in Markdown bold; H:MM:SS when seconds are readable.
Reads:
**11:03**
